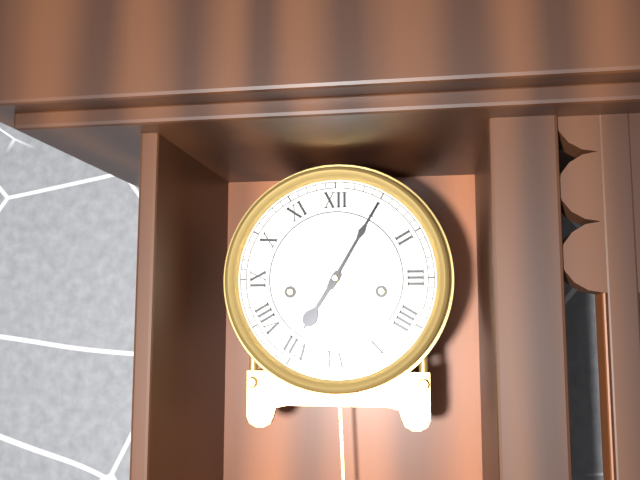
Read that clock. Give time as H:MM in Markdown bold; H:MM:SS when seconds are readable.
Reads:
**7:05**
